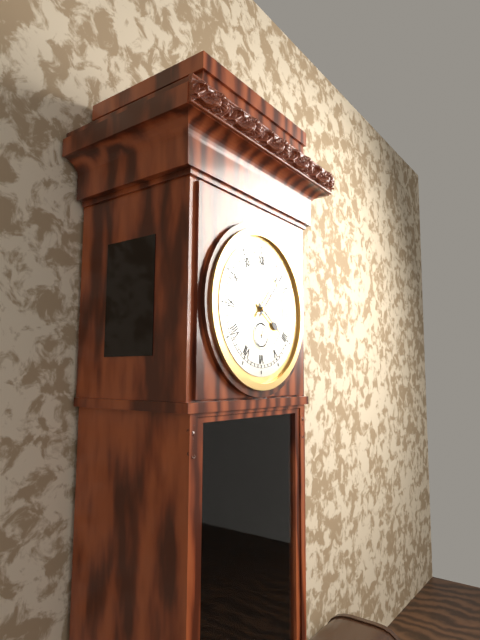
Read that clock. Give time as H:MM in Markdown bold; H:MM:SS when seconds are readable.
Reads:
**4:07**
